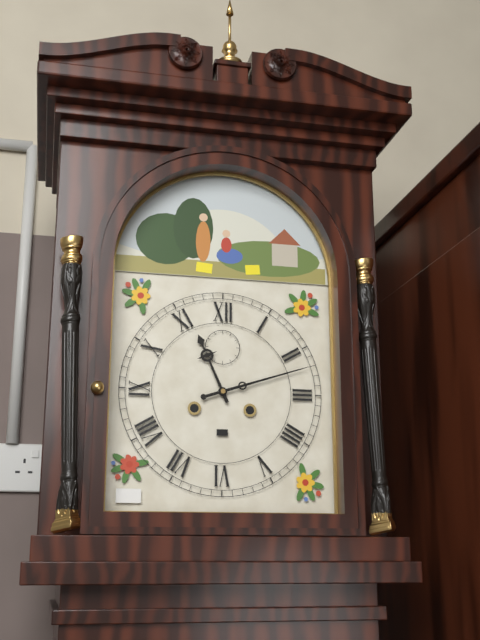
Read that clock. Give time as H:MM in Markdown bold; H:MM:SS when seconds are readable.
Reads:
**11:12**
